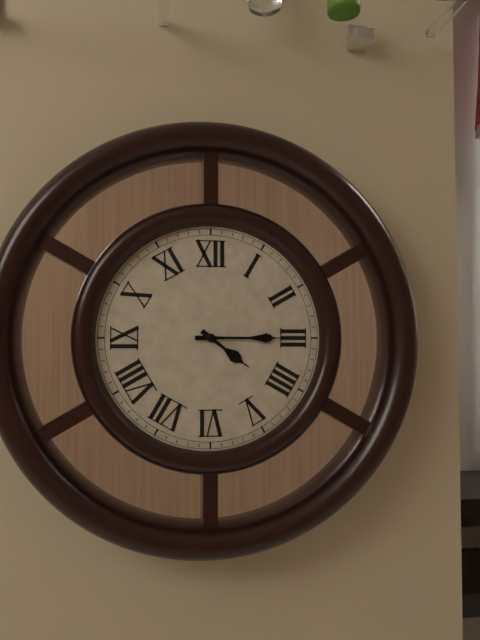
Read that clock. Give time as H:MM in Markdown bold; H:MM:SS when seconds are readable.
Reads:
**4:15**
